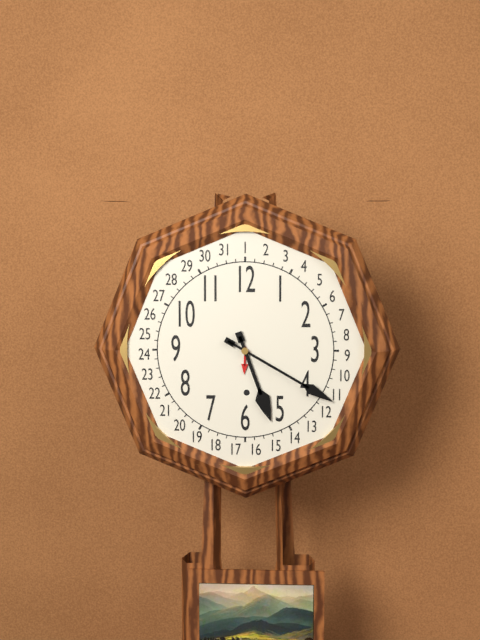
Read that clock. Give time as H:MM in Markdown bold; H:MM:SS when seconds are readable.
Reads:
**5:20**
